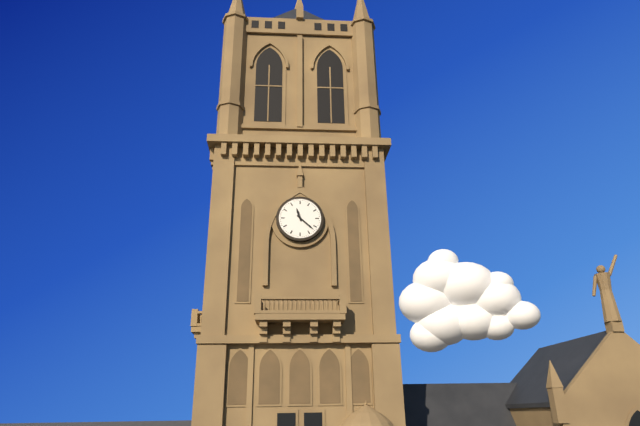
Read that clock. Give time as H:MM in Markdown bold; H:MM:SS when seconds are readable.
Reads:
**11:22**
